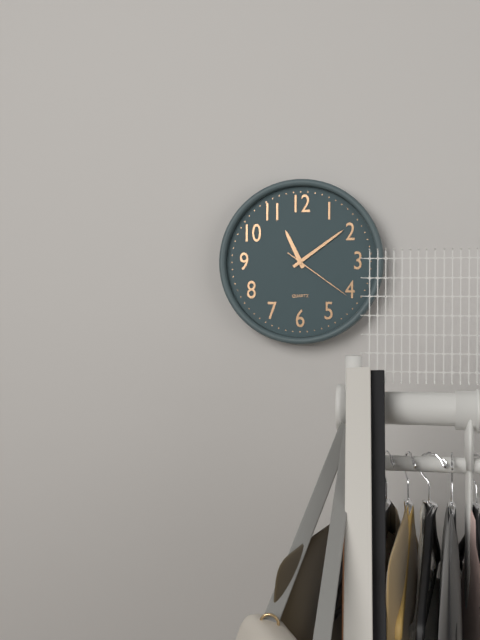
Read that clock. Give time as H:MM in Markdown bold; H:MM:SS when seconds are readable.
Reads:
**11:09:21**
